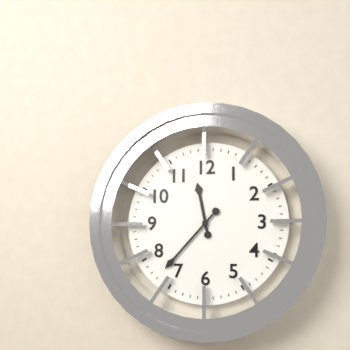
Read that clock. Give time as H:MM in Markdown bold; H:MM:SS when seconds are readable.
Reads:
**11:37**
